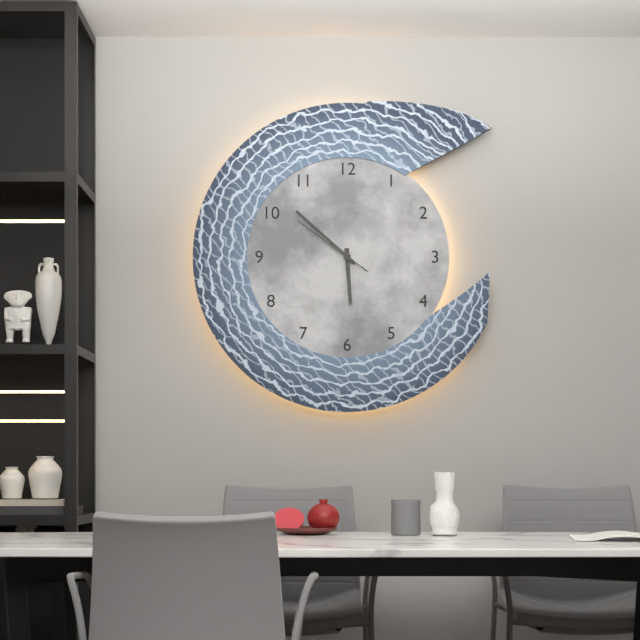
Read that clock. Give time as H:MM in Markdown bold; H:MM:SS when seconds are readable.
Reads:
**5:52:51**
